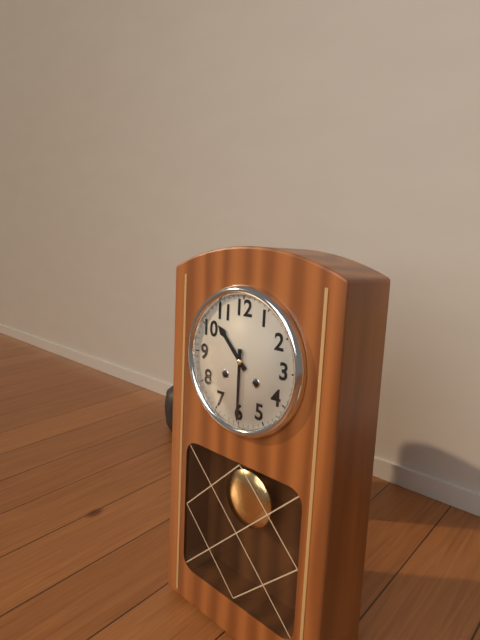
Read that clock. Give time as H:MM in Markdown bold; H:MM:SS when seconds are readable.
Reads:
**10:30**
